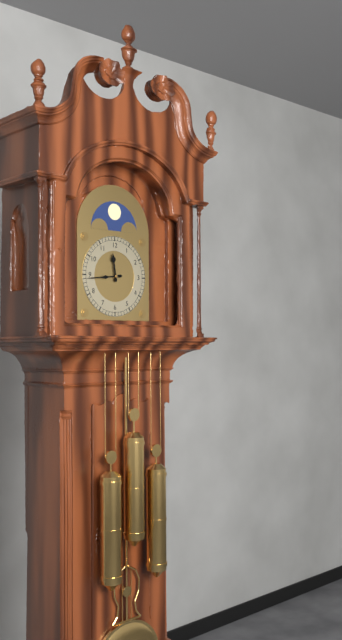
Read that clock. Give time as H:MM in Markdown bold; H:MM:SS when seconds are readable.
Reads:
**11:44**
